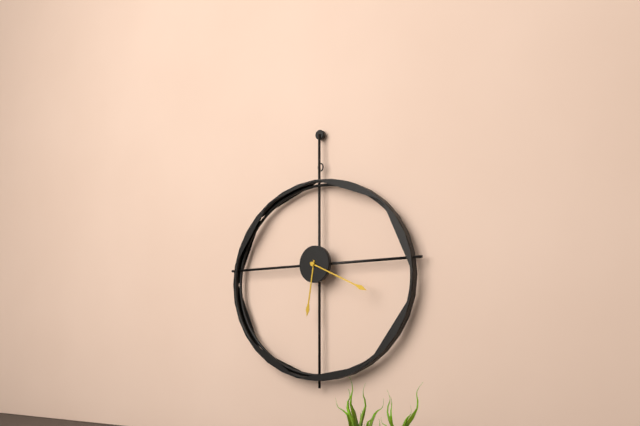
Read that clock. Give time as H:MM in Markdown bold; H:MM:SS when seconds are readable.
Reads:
**6:19**
